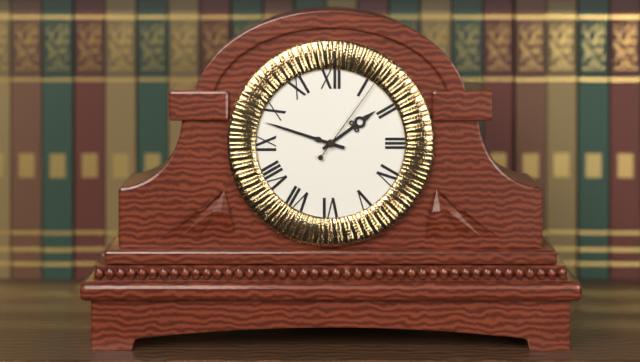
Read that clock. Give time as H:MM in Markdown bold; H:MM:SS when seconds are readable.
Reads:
**1:48:06**
